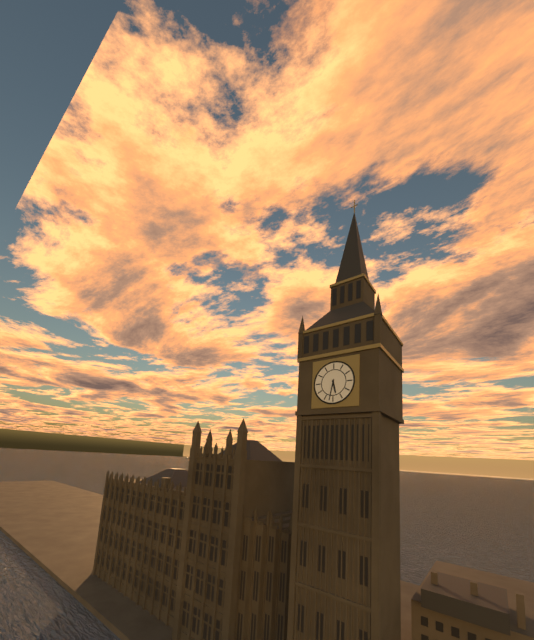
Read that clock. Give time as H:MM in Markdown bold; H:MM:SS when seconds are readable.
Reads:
**5:32**
